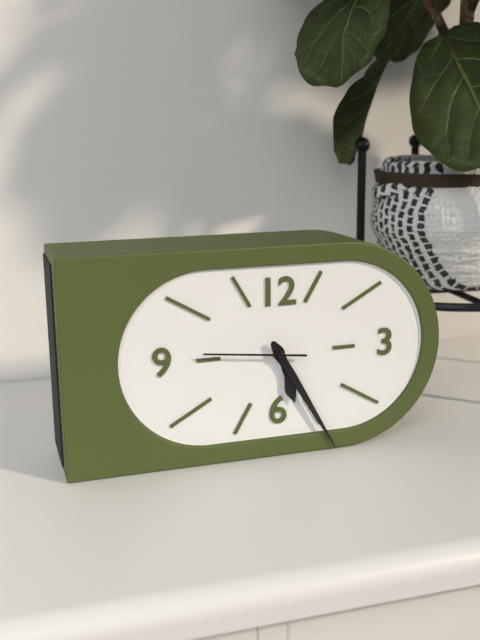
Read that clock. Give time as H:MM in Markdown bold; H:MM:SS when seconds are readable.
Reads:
**5:25:46**
